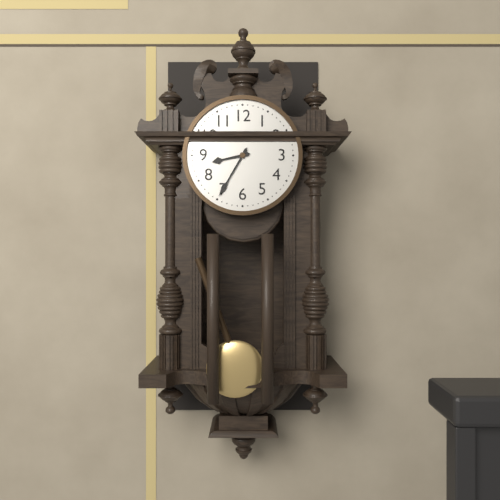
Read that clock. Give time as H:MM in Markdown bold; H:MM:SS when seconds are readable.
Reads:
**8:35**
